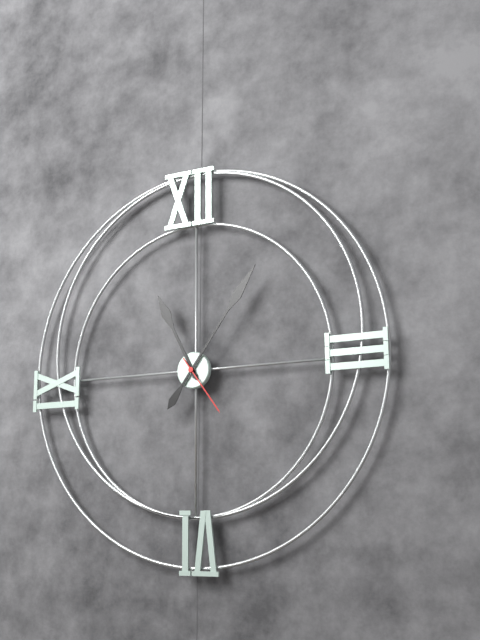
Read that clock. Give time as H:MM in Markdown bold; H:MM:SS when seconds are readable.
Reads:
**11:06:24**
